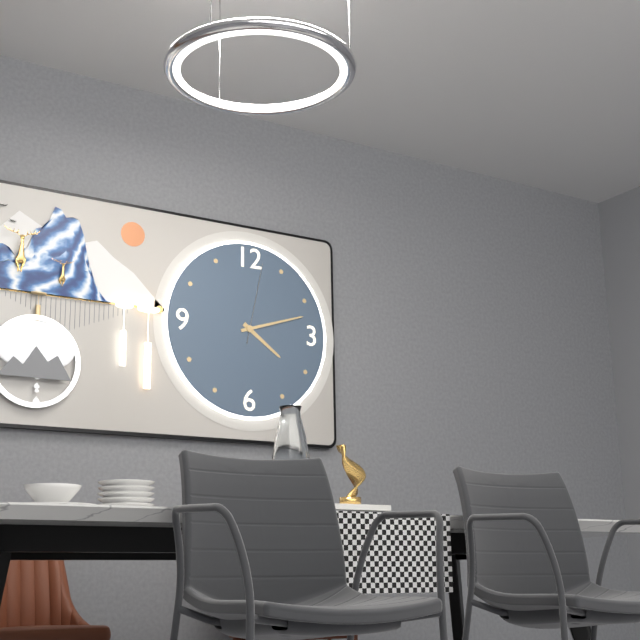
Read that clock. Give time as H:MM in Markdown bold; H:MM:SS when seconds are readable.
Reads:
**4:12:02**
